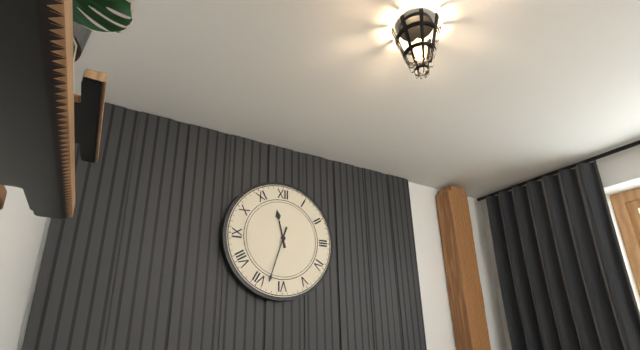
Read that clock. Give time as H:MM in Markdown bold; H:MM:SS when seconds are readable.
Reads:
**11:33**
